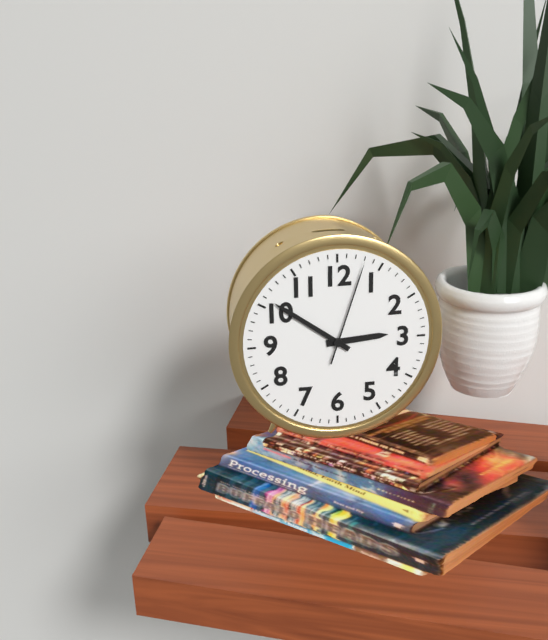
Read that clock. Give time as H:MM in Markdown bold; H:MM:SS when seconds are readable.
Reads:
**2:51:03**
